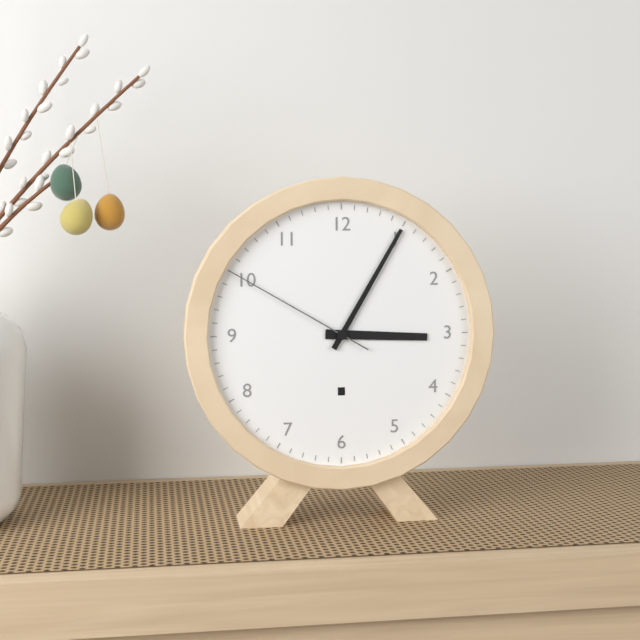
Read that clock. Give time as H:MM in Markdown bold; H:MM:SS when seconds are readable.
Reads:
**3:05:50**
